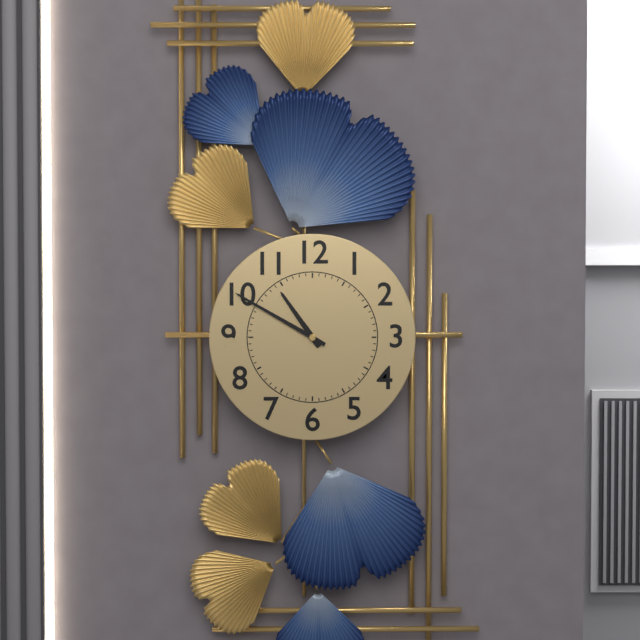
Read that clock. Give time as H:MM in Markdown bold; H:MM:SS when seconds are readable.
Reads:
**10:50**
